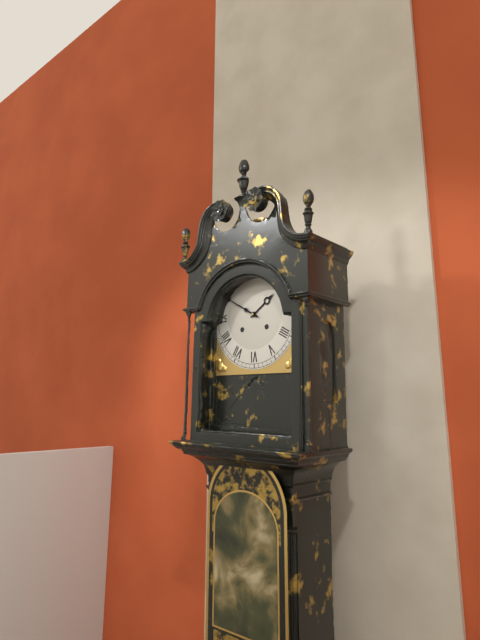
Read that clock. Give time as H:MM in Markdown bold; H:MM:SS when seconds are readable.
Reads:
**1:50**
